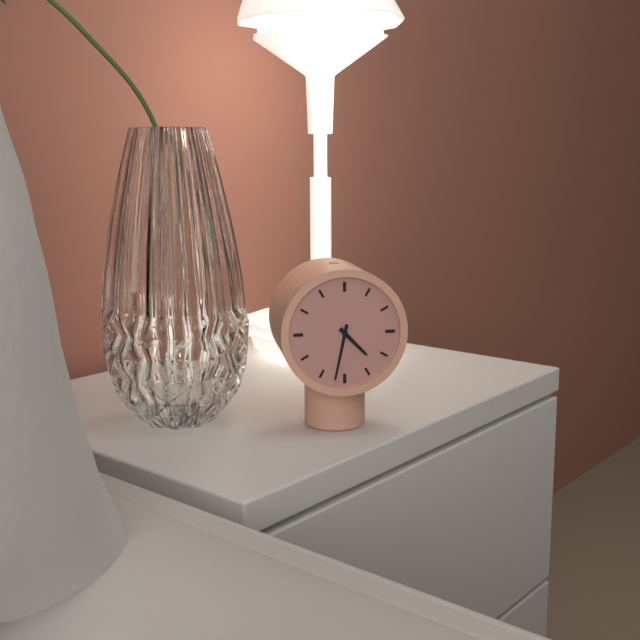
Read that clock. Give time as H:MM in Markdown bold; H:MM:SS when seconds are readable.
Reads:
**4:32**
